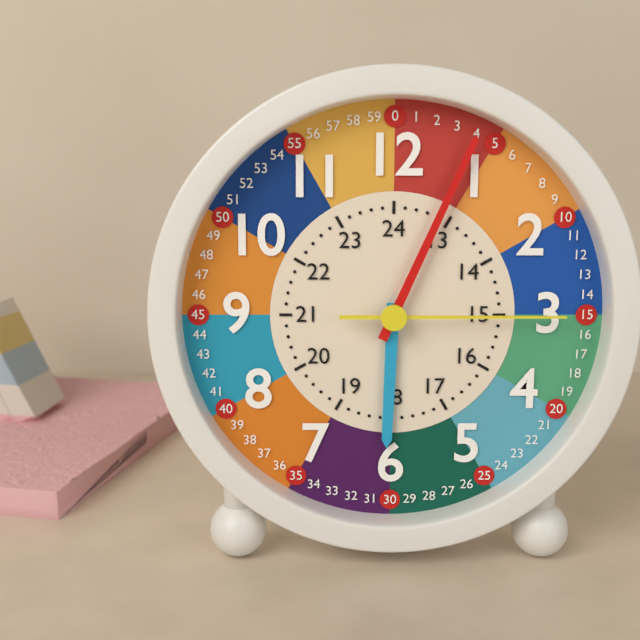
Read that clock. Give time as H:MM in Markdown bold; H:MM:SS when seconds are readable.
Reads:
**6:04:15**
